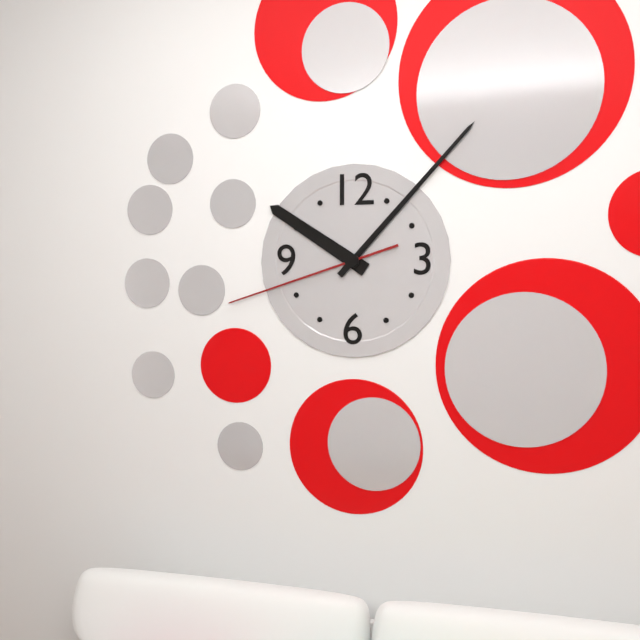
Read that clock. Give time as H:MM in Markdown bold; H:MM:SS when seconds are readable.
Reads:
**10:07:42**
